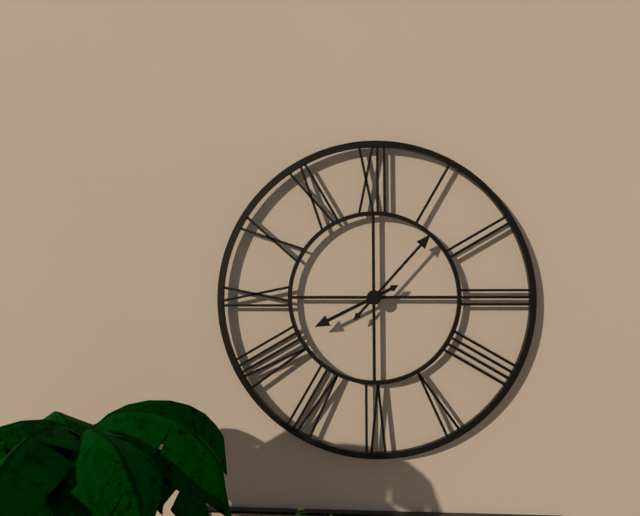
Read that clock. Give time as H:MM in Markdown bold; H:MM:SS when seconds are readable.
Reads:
**8:07**
